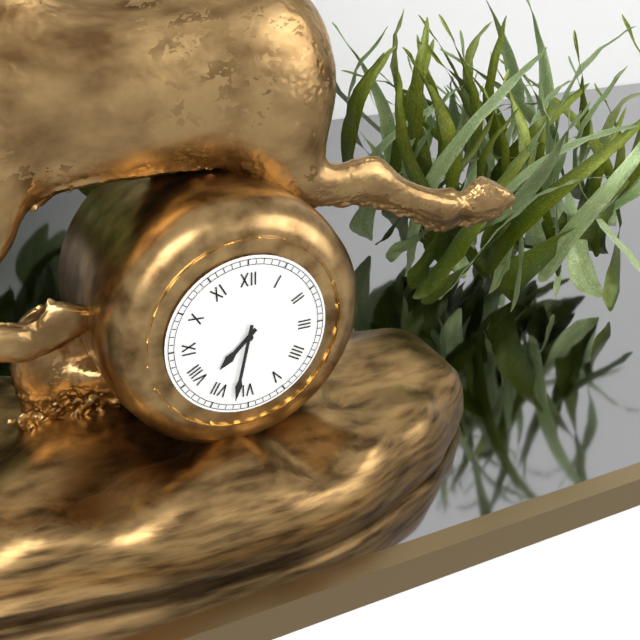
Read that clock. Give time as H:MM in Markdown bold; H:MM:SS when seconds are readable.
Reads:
**7:32**
